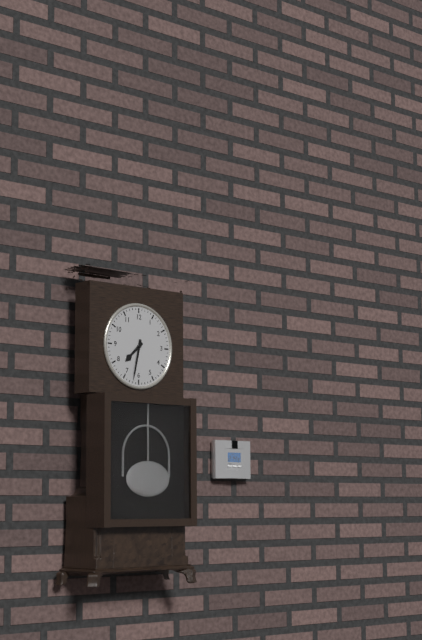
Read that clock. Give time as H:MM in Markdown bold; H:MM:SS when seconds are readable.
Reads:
**7:32**
